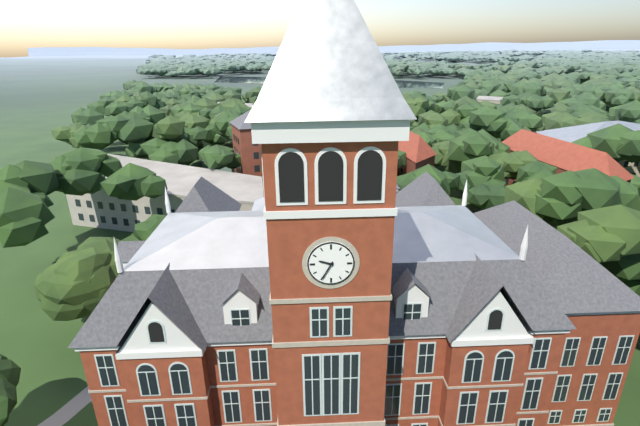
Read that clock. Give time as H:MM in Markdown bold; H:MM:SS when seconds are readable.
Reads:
**9:35**
